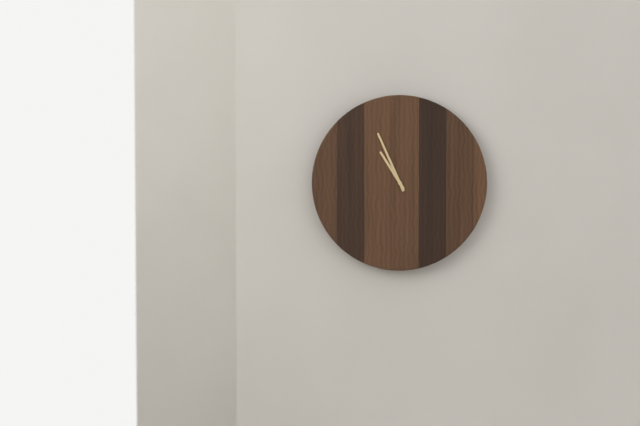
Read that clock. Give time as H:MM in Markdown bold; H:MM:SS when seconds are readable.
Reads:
**10:56**
